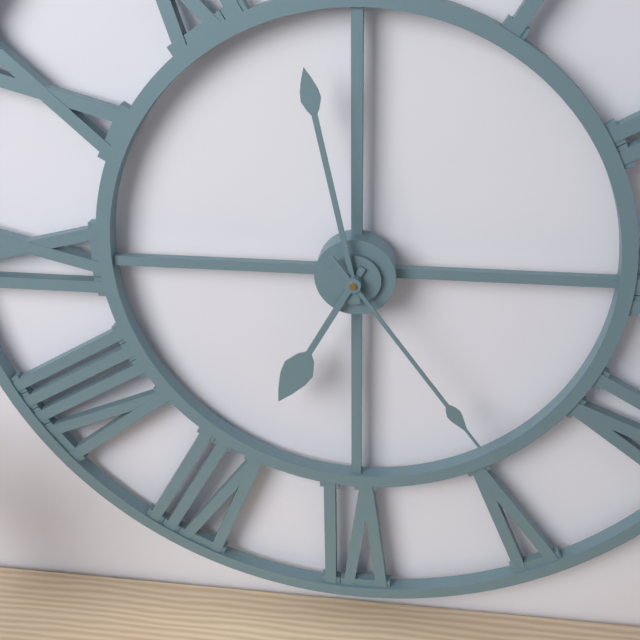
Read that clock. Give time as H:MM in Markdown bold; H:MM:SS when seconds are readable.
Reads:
**6:58:24**
